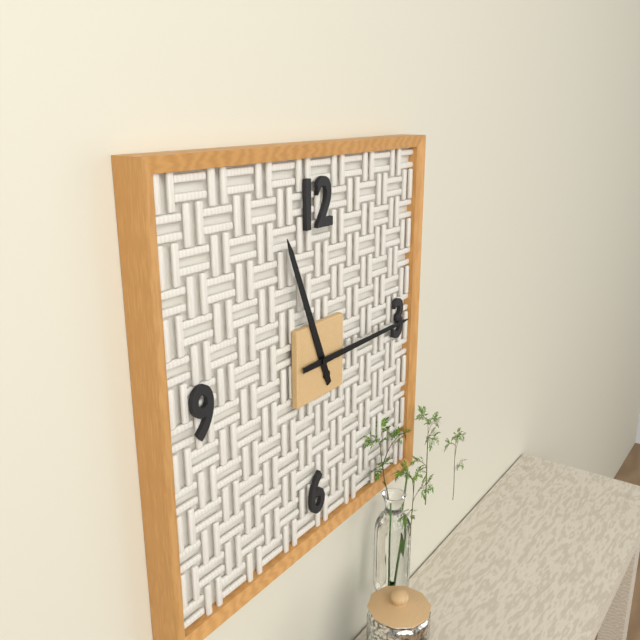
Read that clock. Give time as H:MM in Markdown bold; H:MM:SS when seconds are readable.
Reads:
**11:15**
